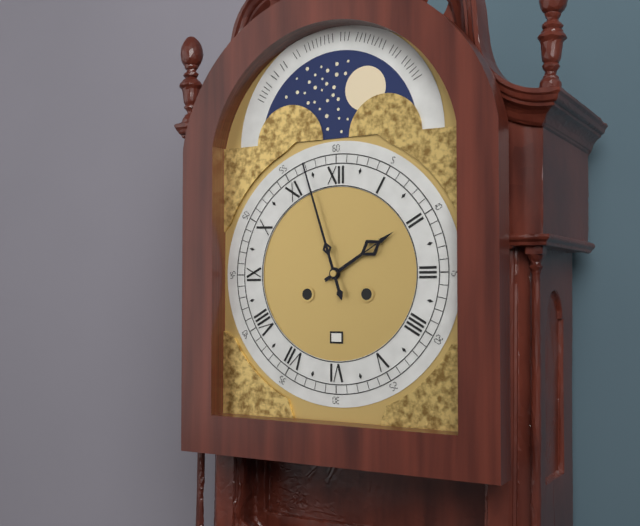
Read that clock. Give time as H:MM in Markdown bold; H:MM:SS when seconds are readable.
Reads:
**1:57**
